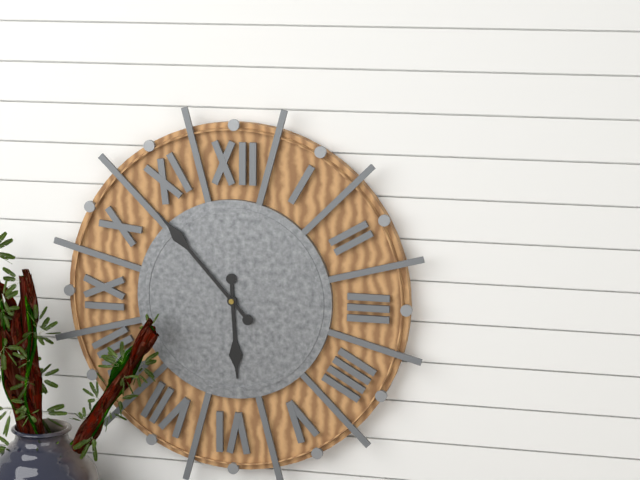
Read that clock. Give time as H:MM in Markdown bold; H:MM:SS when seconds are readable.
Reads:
**5:53**
